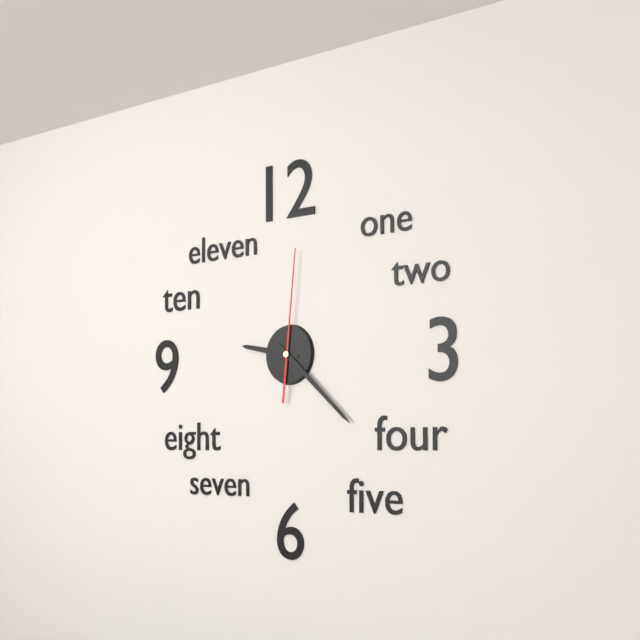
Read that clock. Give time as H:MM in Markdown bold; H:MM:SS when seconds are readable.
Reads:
**9:22:01**
